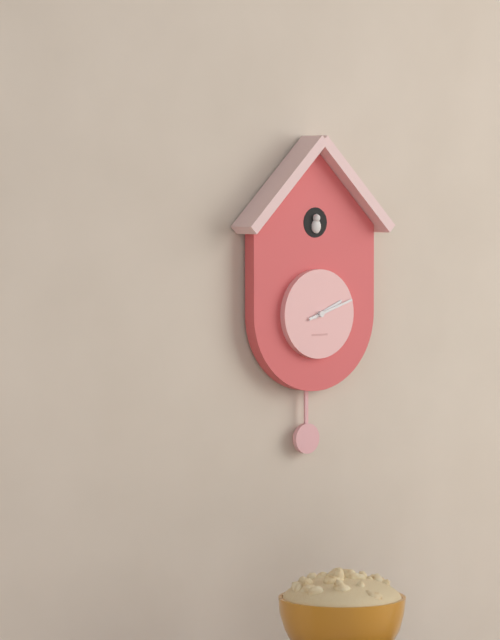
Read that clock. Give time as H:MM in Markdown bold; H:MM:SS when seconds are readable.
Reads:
**2:12**
